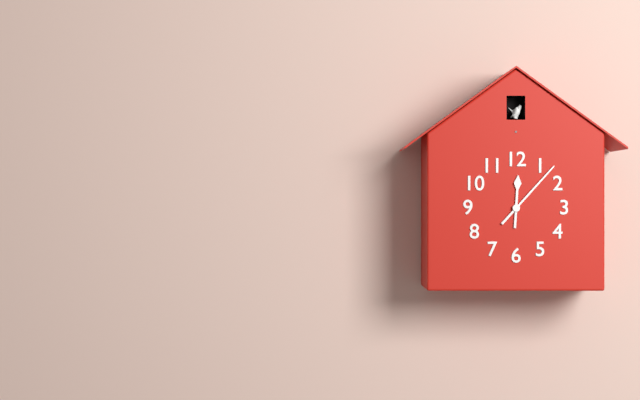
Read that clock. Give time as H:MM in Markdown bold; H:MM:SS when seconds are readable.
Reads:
**12:07**
